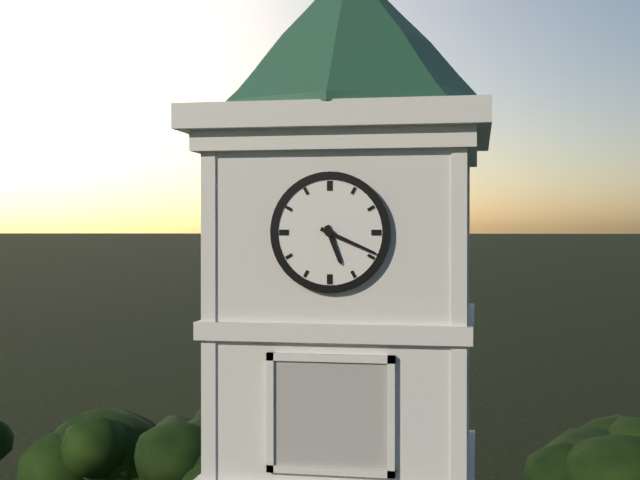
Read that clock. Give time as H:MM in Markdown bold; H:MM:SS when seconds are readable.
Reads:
**5:19**
